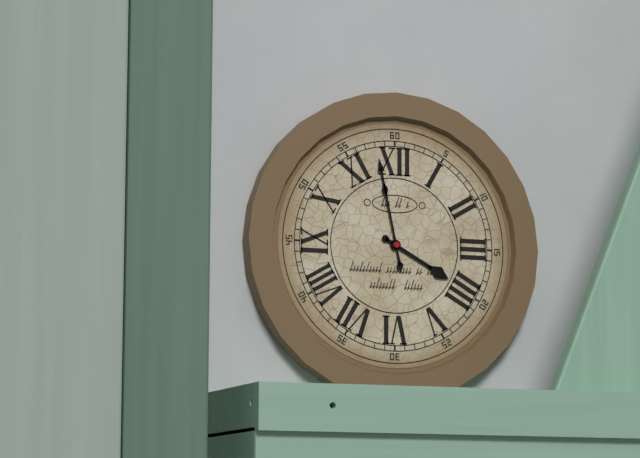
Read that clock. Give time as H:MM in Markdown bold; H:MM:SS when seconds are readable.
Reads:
**3:58**
